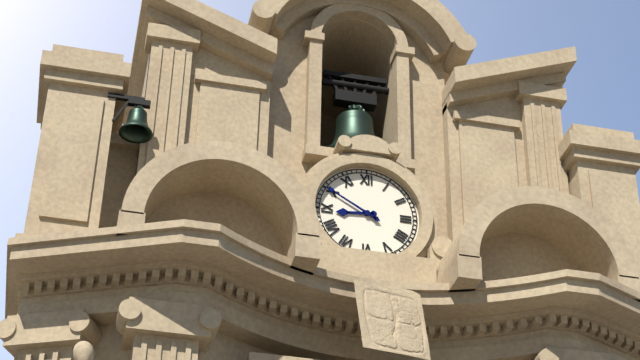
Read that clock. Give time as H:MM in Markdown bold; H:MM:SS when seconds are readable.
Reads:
**8:50**
